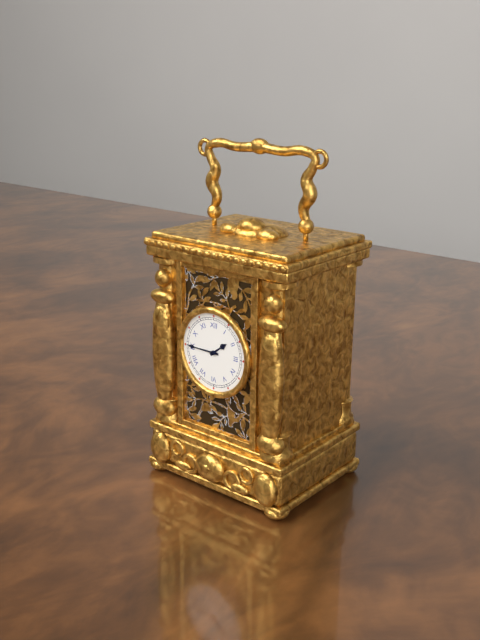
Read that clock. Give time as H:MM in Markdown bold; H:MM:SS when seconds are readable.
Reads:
**1:45**
